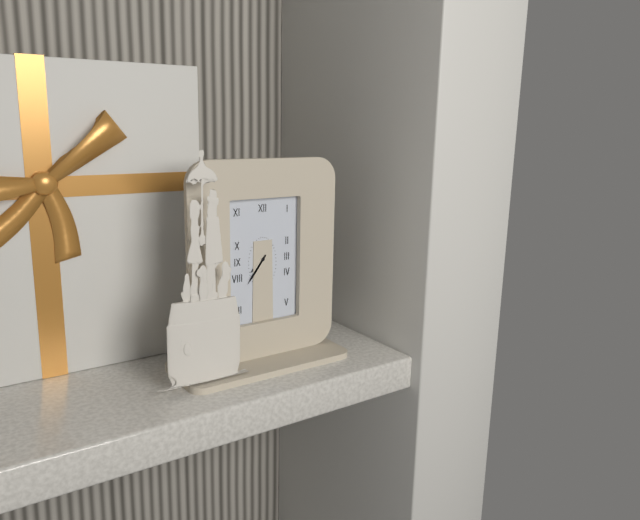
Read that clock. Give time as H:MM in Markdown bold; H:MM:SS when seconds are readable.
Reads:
**7:36**
